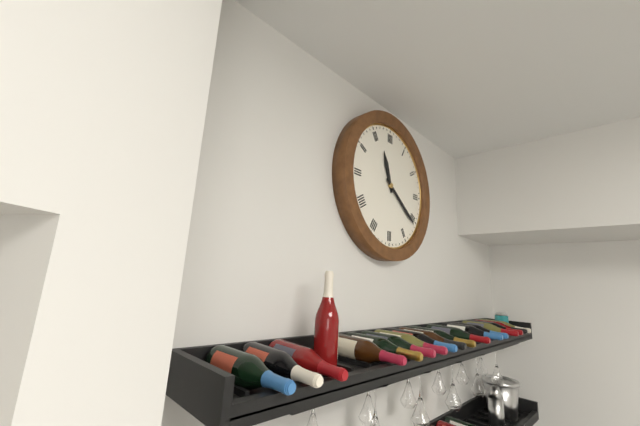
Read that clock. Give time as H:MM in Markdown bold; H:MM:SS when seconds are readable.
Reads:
**11:21**
